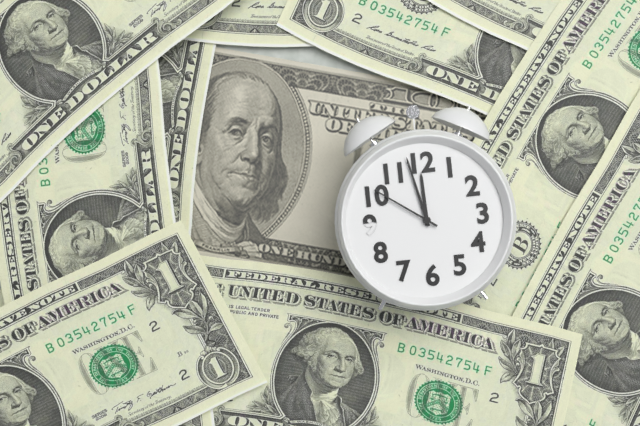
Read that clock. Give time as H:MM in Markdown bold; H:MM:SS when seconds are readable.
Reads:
**11:58:51**
